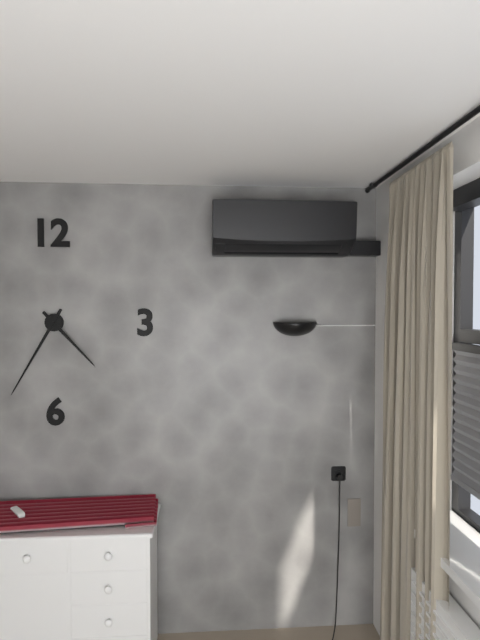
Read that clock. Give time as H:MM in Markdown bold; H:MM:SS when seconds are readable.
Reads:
**4:35**
